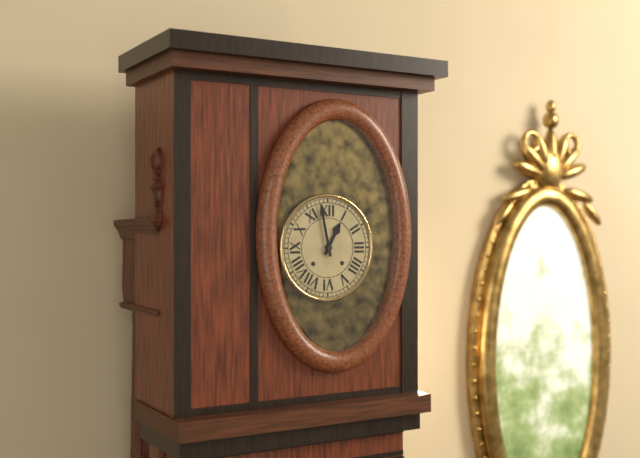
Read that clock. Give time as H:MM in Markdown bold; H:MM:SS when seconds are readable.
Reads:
**12:58**
